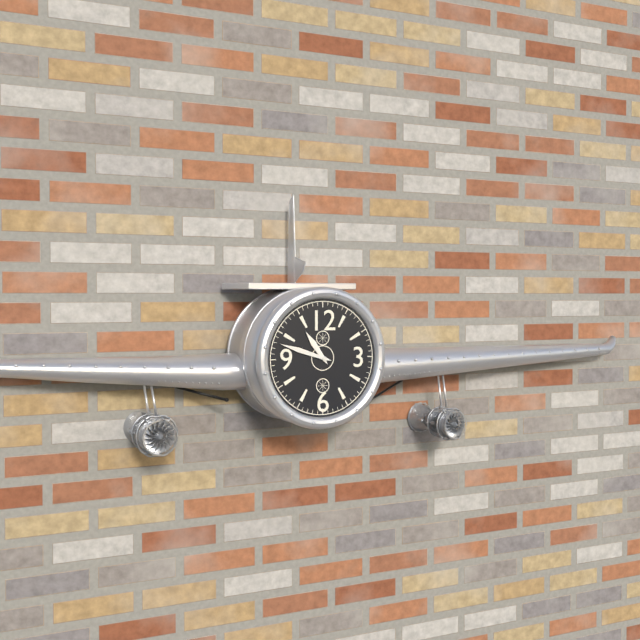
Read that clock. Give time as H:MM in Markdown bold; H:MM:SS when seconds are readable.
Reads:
**10:48**
